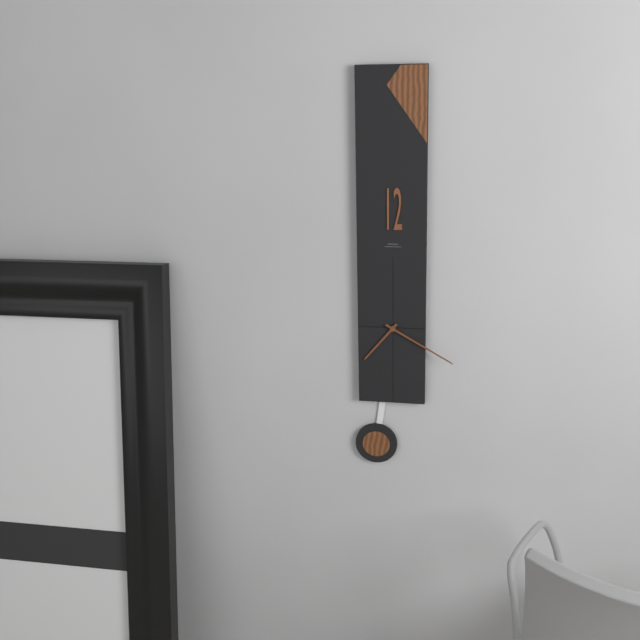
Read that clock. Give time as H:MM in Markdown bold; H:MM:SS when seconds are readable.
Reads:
**7:20**
